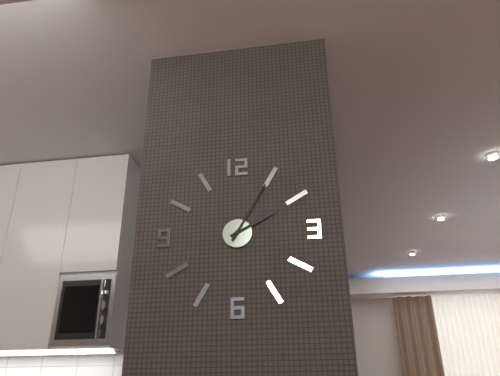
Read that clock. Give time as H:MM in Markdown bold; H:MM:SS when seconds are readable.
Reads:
**2:05**
